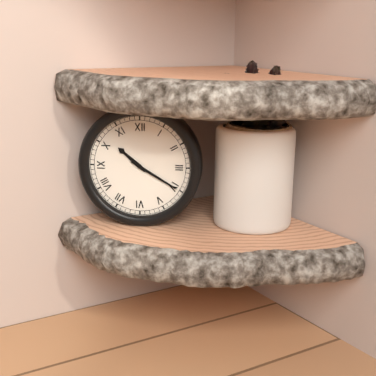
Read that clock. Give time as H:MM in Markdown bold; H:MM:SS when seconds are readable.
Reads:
**10:20**
